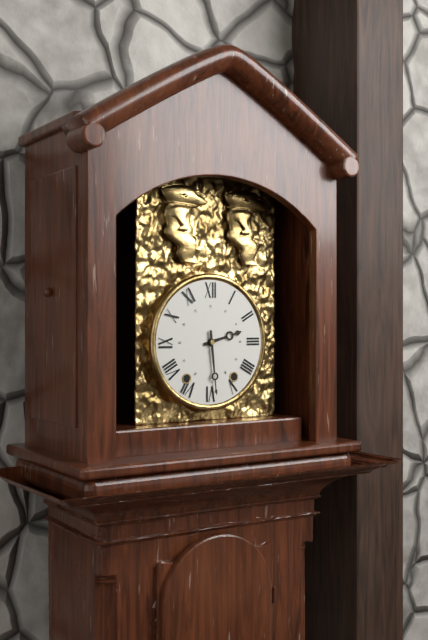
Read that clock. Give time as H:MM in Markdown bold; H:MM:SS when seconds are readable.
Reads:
**2:29**
